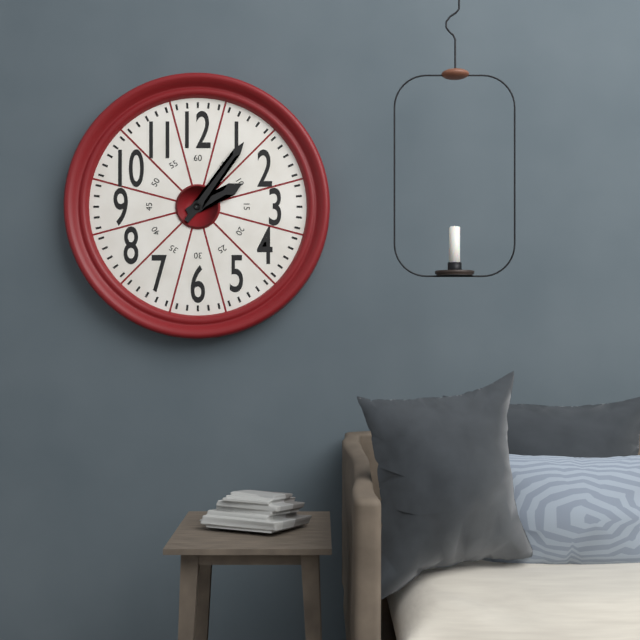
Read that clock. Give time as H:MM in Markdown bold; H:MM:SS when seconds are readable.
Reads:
**2:06**
